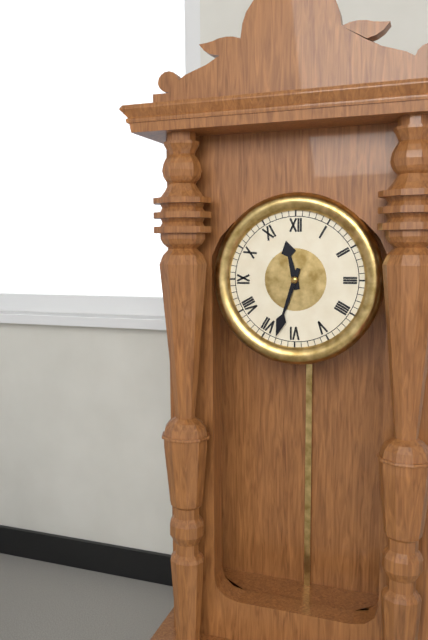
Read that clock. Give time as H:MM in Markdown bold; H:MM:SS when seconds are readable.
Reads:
**11:33**
